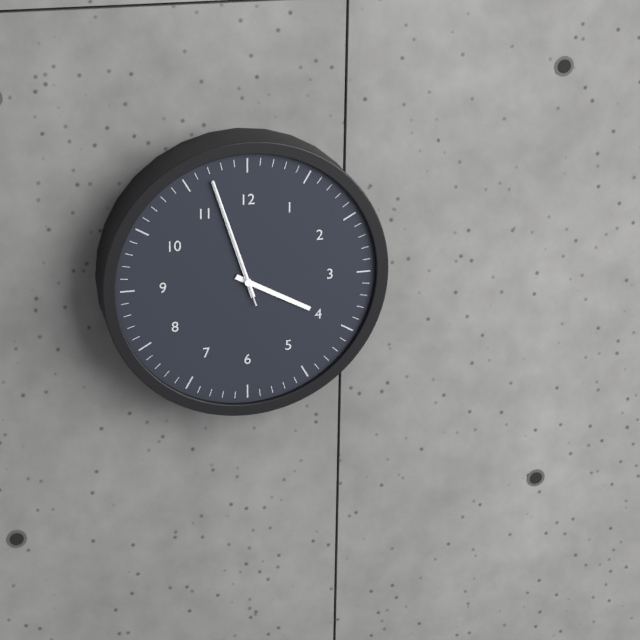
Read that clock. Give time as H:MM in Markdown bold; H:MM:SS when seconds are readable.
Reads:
**3:57:57**
